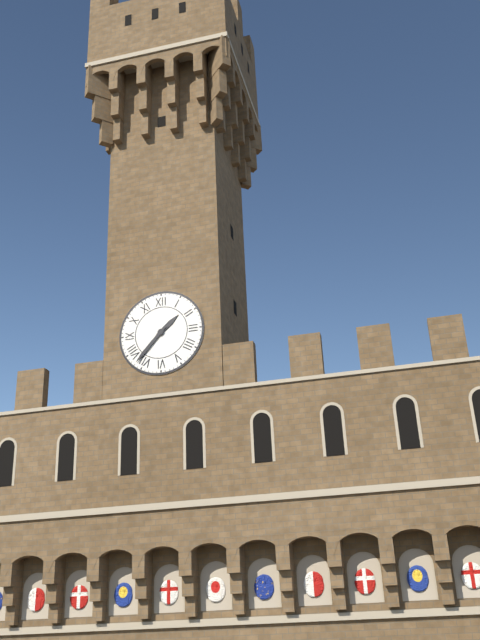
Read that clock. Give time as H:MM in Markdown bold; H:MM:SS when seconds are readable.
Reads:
**1:37**
